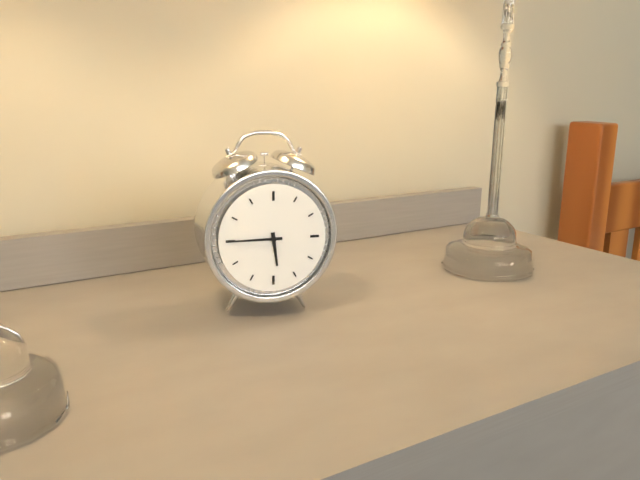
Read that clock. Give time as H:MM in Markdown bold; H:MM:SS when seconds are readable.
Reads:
**5:45**
